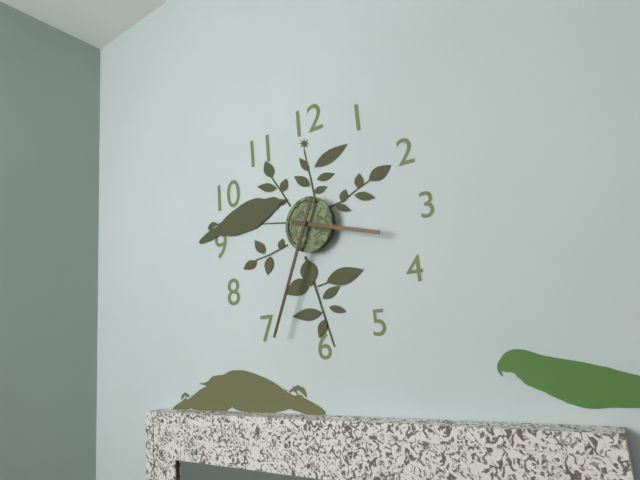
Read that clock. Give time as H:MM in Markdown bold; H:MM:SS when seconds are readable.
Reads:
**3:34**
